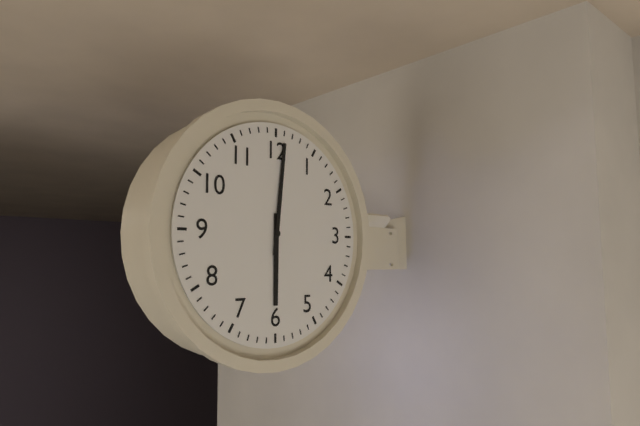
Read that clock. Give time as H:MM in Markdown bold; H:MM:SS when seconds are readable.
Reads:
**6:01**
